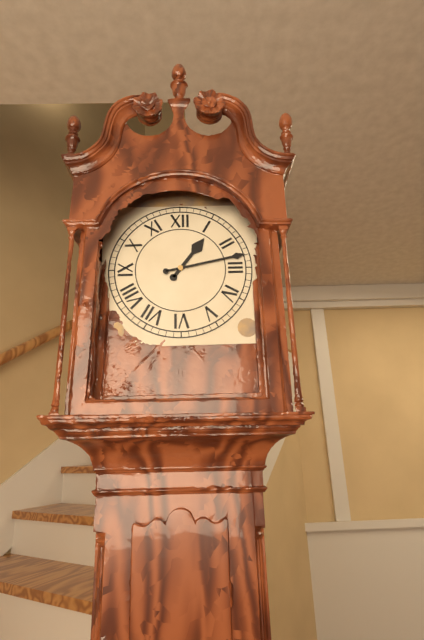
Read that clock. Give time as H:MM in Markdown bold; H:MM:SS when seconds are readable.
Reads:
**1:13**
